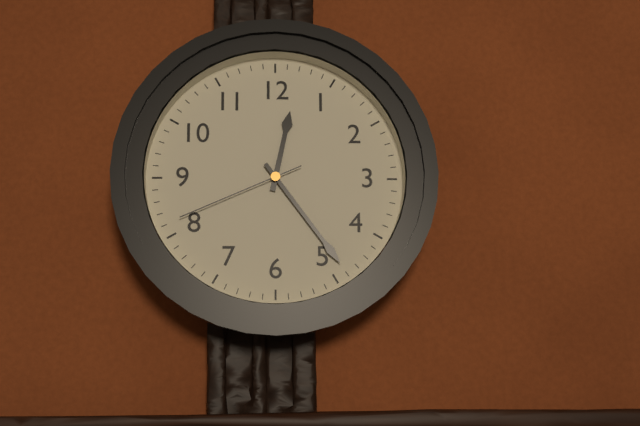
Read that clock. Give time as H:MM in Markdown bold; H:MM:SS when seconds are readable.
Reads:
**12:24:41**
